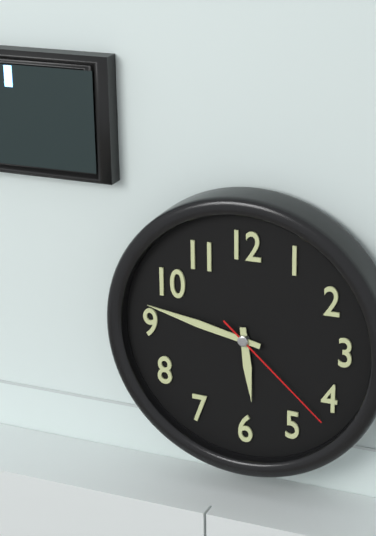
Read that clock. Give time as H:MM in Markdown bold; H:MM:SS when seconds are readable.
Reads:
**5:47:22**
